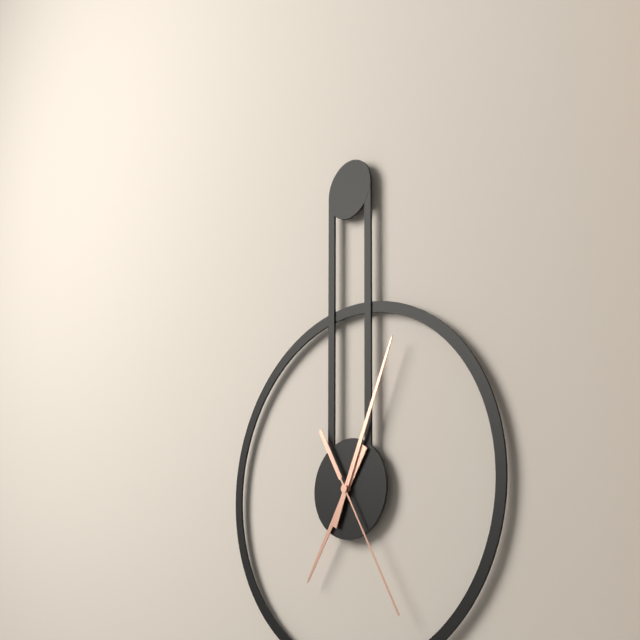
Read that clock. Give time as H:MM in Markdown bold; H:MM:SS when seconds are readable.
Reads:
**7:04:25**
